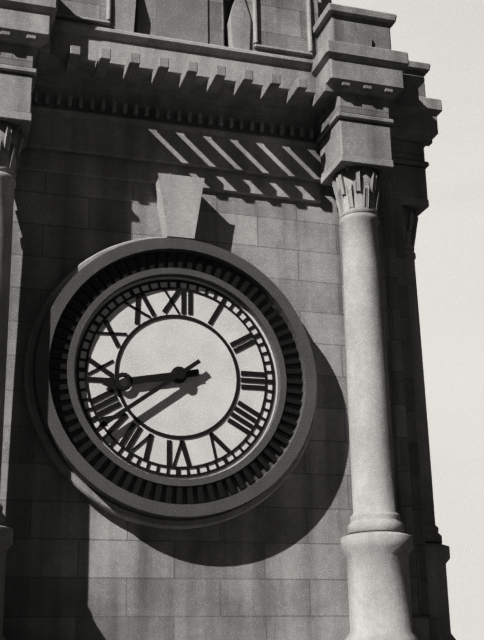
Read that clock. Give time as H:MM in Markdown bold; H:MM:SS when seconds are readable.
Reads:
**8:39**
